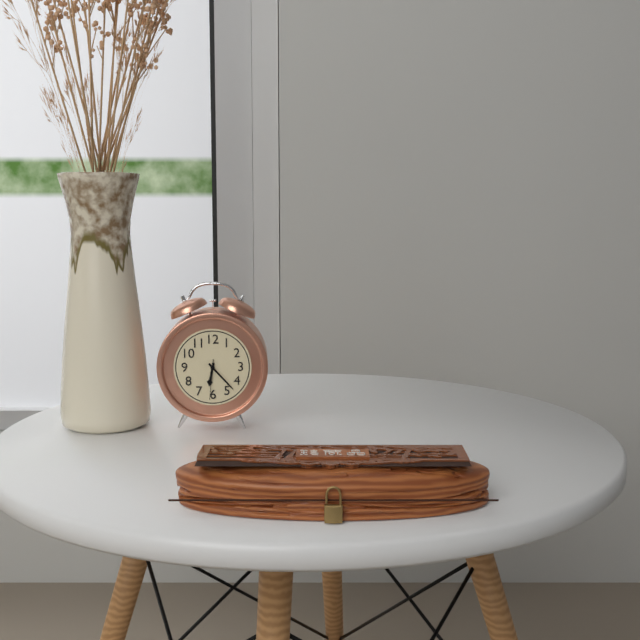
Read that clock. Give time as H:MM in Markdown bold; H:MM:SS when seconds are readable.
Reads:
**6:23**
